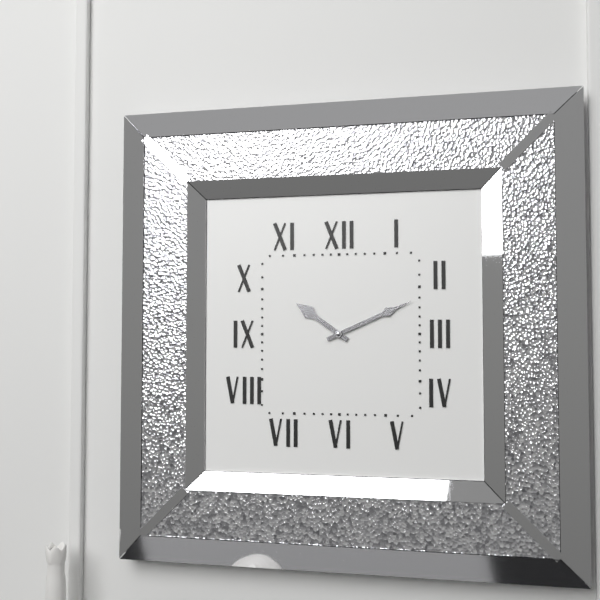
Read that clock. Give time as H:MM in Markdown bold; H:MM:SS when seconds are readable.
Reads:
**10:11**
